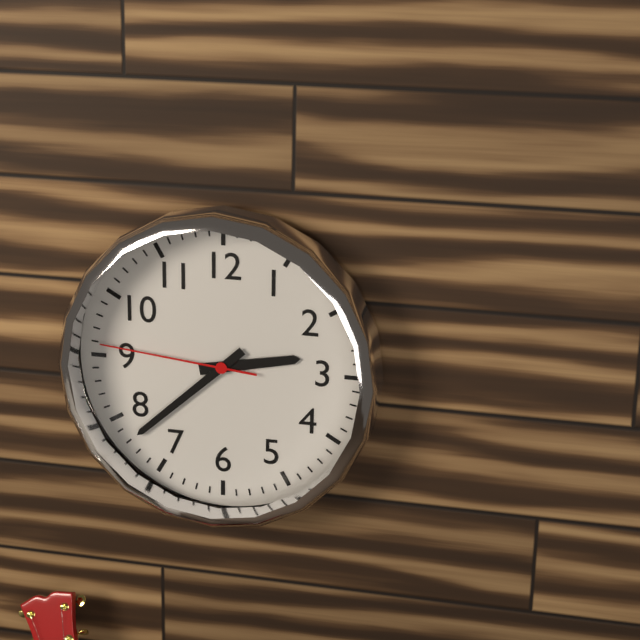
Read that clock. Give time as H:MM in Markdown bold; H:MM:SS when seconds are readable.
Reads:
**2:38:46**
